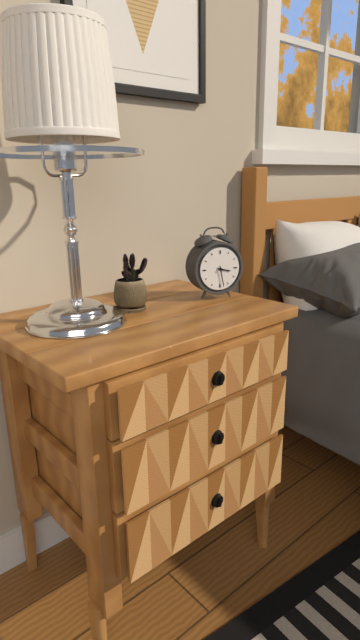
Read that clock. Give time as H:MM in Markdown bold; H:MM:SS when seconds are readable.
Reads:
**3:28**
